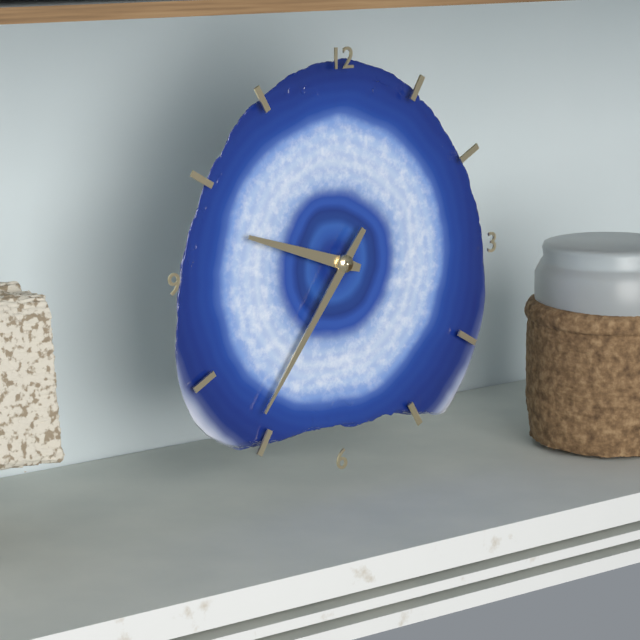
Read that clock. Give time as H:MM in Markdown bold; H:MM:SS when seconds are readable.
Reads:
**9:36**
